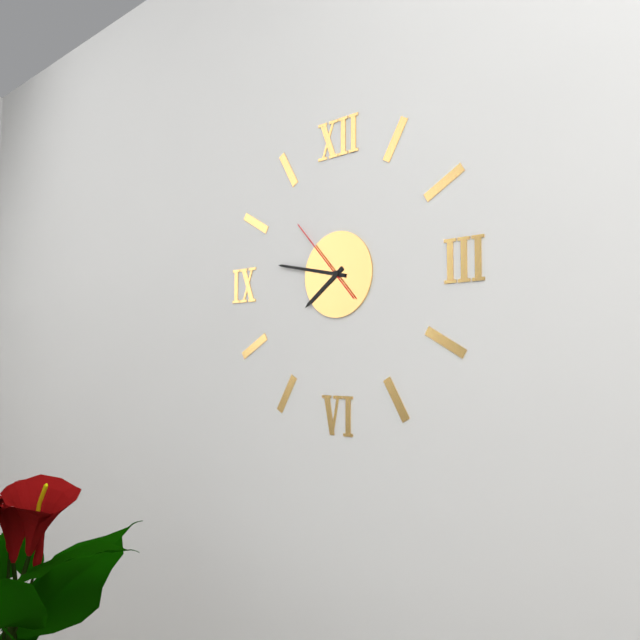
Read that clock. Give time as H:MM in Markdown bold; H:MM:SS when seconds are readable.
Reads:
**7:47:53**
